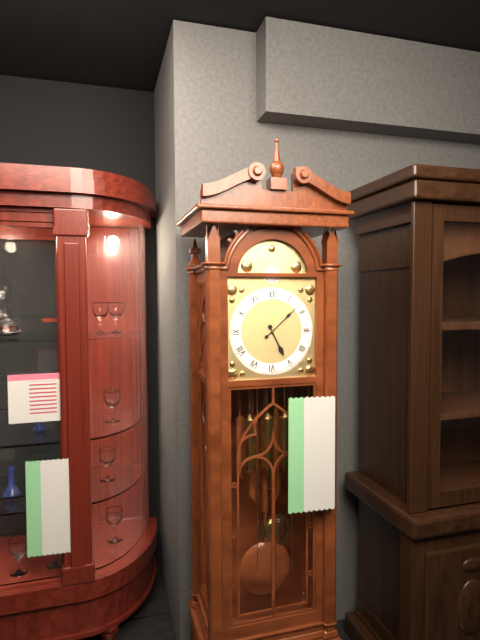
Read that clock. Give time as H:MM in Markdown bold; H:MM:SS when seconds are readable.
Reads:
**5:08**
